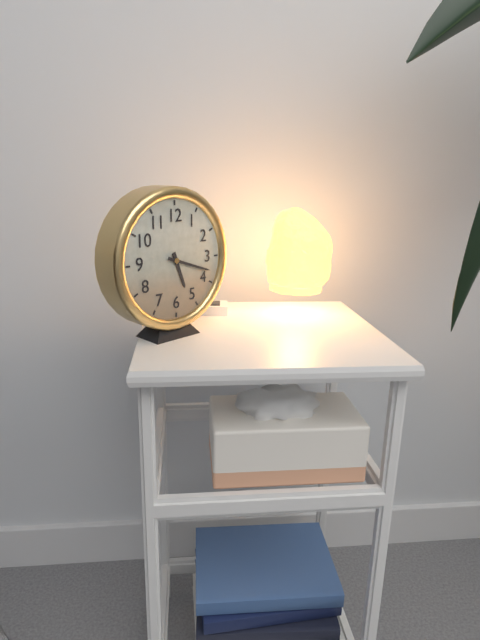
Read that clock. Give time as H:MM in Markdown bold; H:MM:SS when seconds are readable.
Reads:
**5:18**
